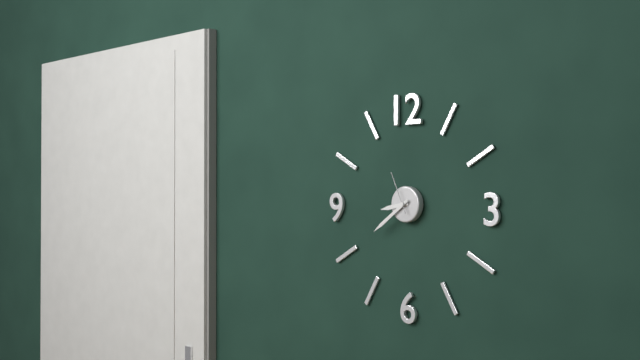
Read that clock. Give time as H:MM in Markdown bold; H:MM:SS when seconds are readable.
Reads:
**8:39**
